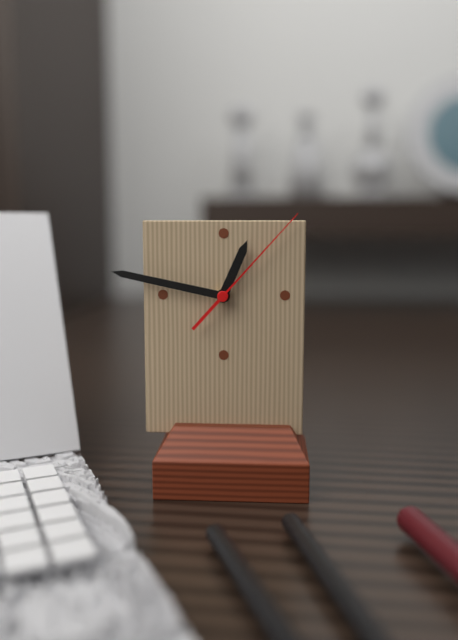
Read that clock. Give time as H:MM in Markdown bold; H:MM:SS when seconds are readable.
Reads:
**12:47:07**
